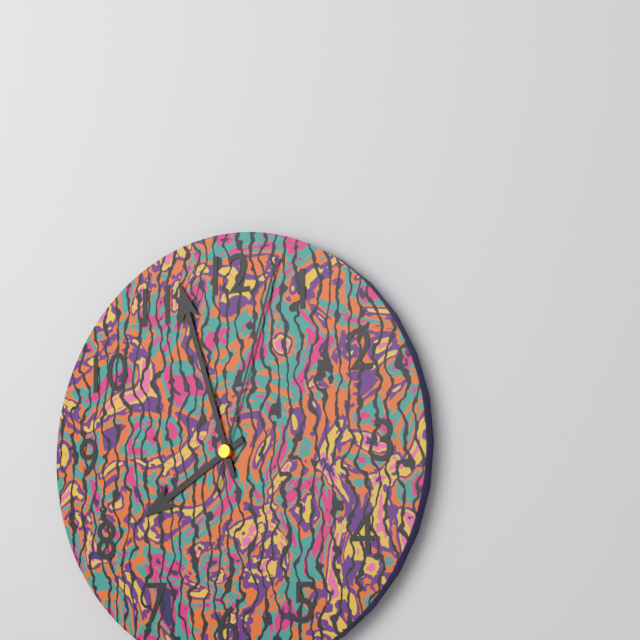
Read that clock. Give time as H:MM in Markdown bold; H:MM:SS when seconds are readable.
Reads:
**7:57:03**
